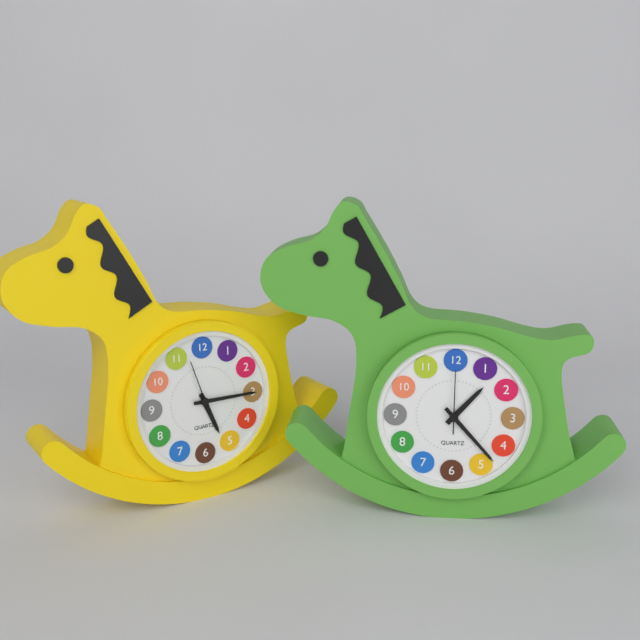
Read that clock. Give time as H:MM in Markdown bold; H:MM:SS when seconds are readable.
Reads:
**1:23:00**
